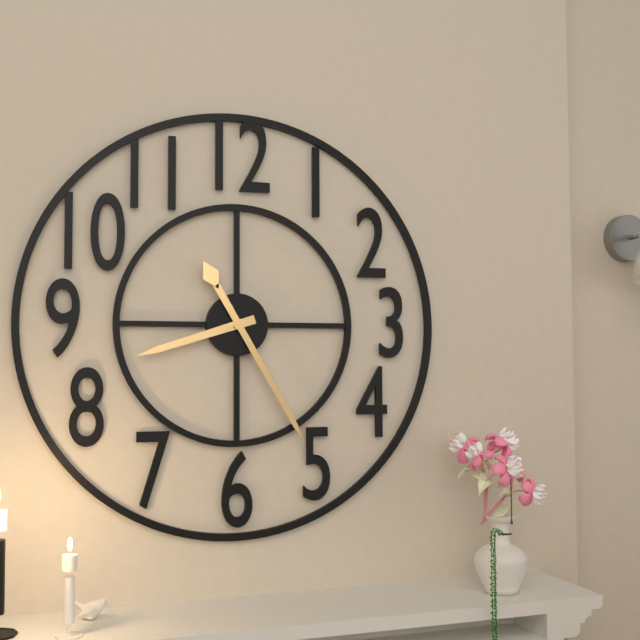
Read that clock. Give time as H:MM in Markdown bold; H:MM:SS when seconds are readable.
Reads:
**8:25**
